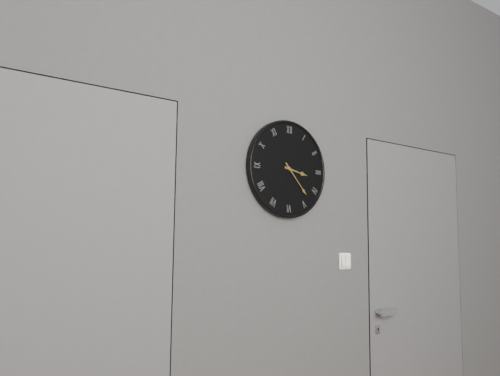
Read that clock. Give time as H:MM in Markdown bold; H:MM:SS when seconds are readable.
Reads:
**3:23**
